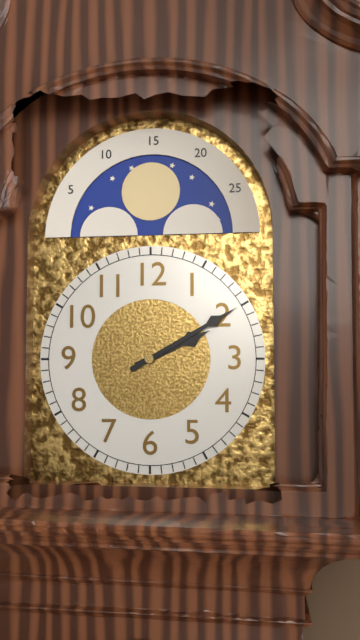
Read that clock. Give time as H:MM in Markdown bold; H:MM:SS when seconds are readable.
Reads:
**2:10**
